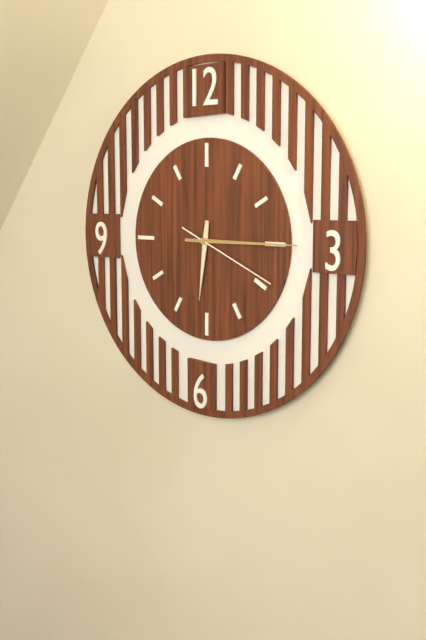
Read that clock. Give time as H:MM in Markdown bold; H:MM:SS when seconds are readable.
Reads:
**6:15:19**
